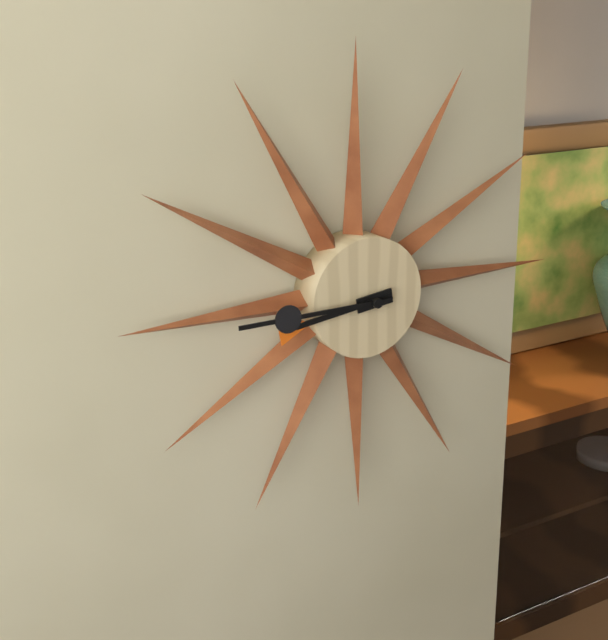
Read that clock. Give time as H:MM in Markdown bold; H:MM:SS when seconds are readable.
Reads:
**8:45**
